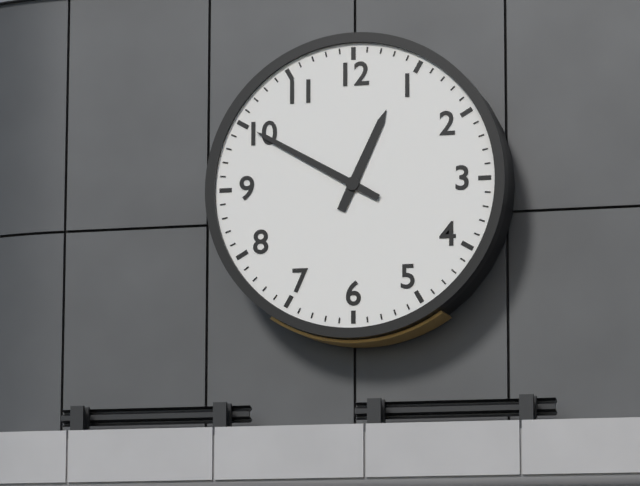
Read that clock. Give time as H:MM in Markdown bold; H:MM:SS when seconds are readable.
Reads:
**12:50**
